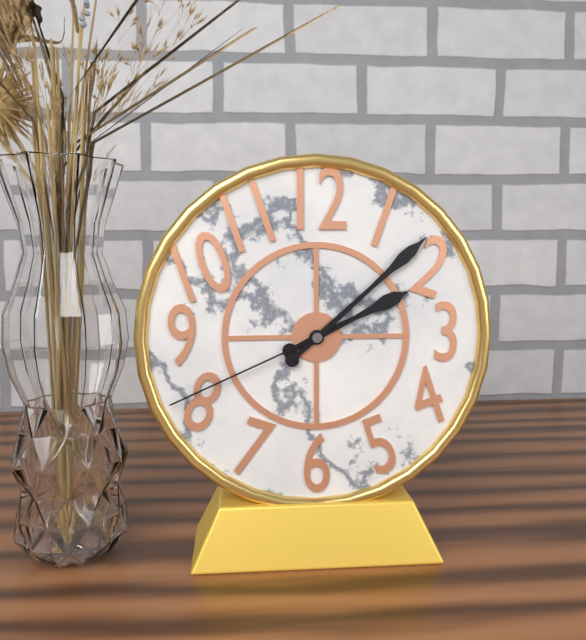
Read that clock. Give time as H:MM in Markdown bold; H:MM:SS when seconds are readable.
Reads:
**2:08:41**
